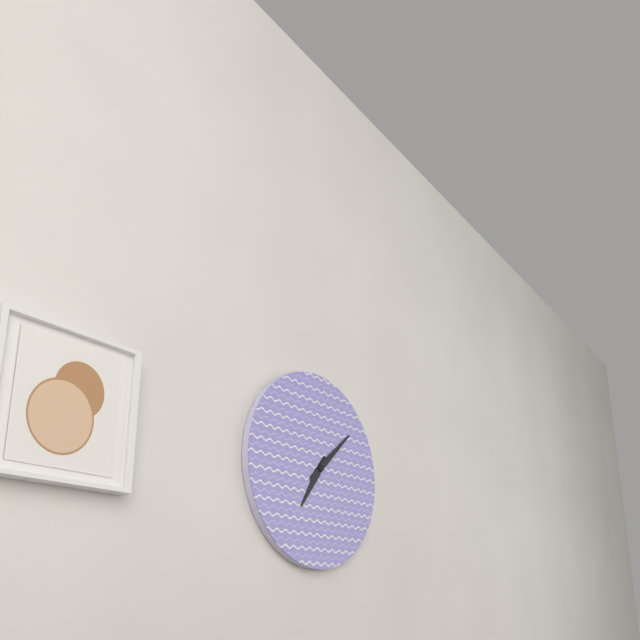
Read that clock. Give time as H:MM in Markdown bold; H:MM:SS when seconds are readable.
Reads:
**7:08**
